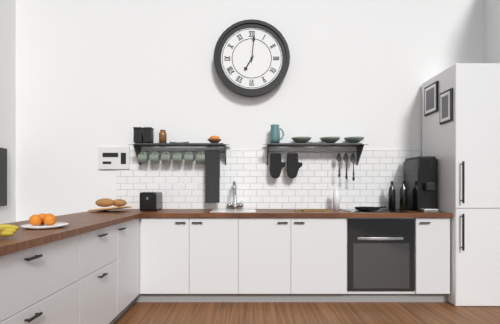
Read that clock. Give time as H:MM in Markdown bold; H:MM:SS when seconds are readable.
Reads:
**7:01**
